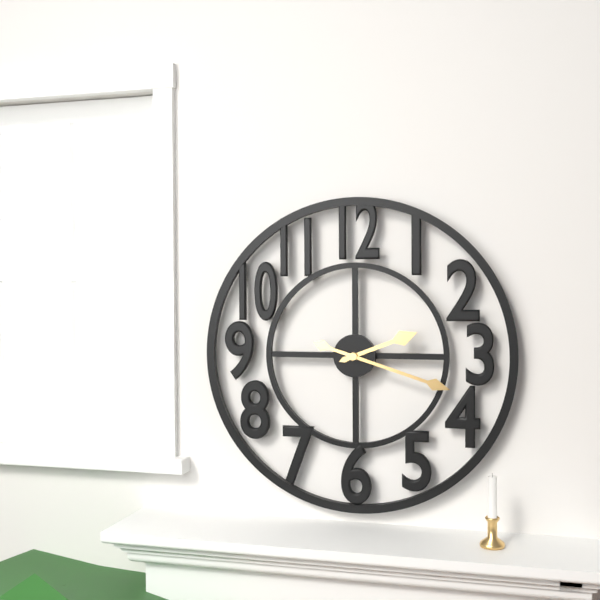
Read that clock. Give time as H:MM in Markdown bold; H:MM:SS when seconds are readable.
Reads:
**2:18**
